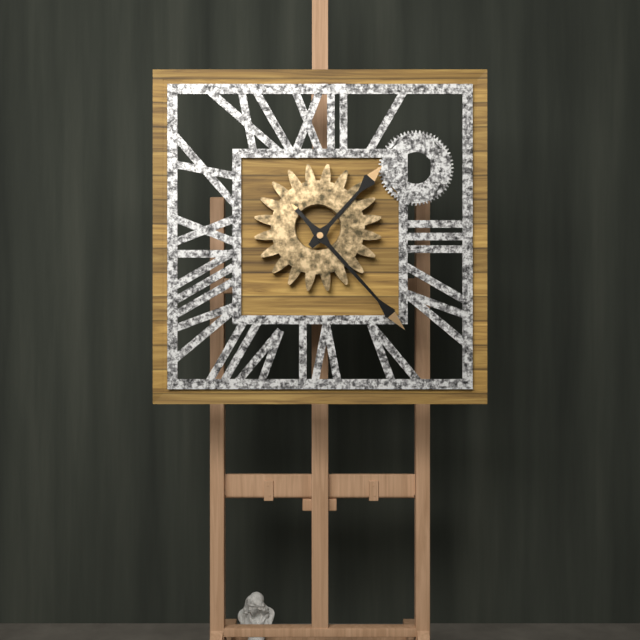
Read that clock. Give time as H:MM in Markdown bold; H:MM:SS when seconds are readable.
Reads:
**1:23**
